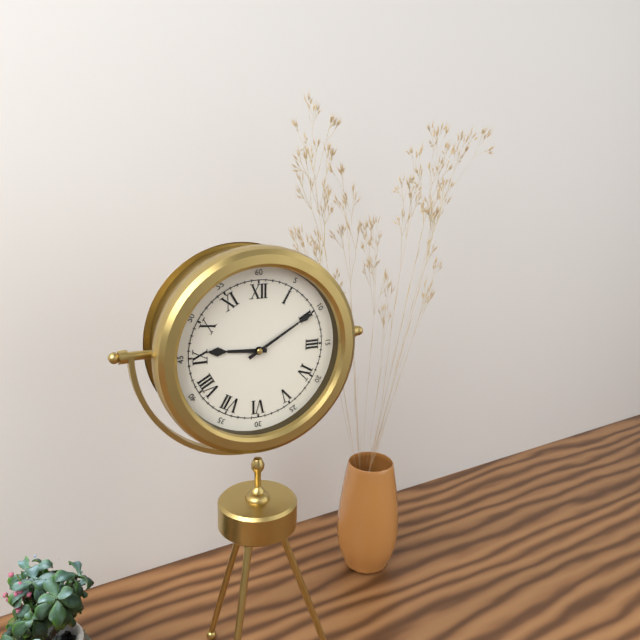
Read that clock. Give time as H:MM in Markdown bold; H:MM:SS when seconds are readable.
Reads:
**9:10**
